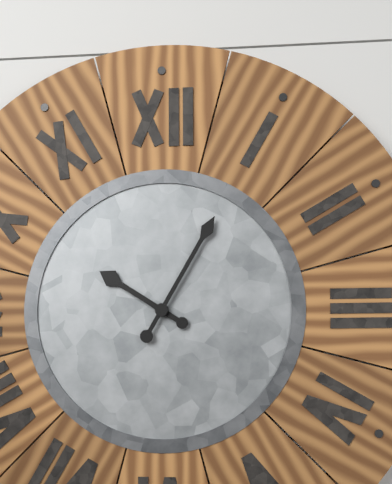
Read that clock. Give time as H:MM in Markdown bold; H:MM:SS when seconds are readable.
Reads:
**10:05**
